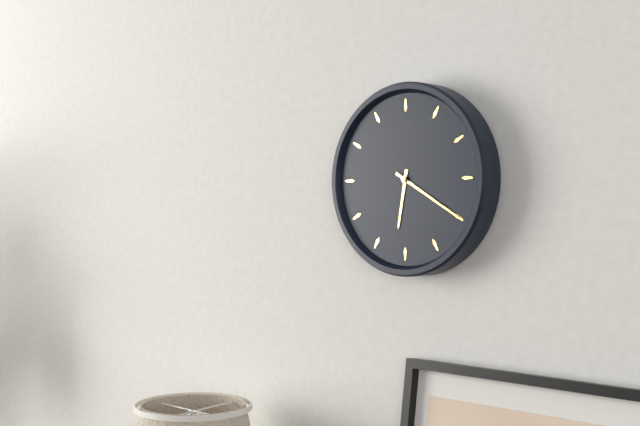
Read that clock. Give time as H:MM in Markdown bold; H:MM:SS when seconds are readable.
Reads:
**6:20**
